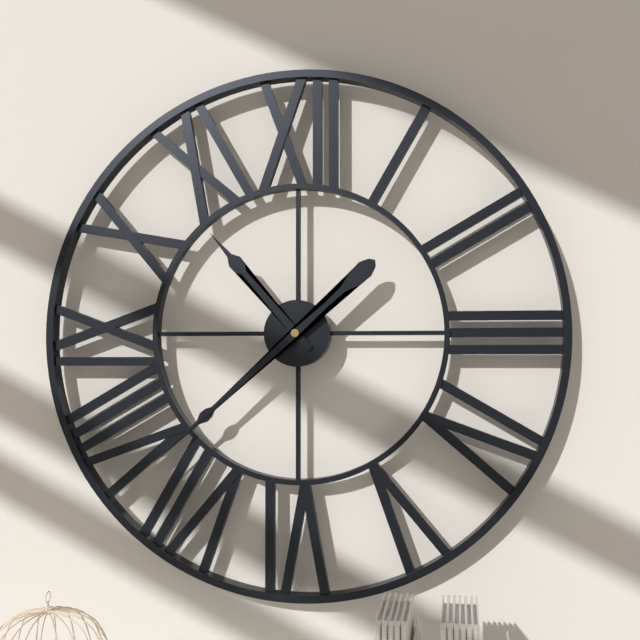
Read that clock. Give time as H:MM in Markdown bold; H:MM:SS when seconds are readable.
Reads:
**10:38**
